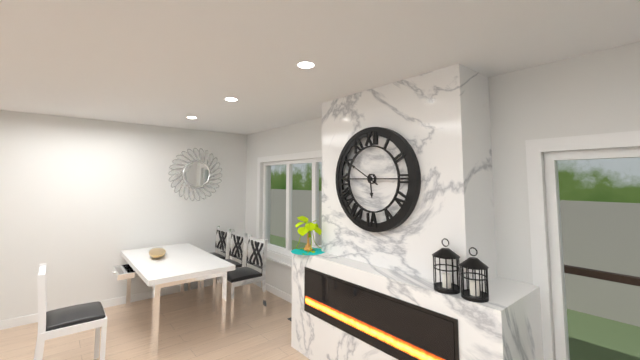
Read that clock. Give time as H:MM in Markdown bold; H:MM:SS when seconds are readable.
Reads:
**5:50**
